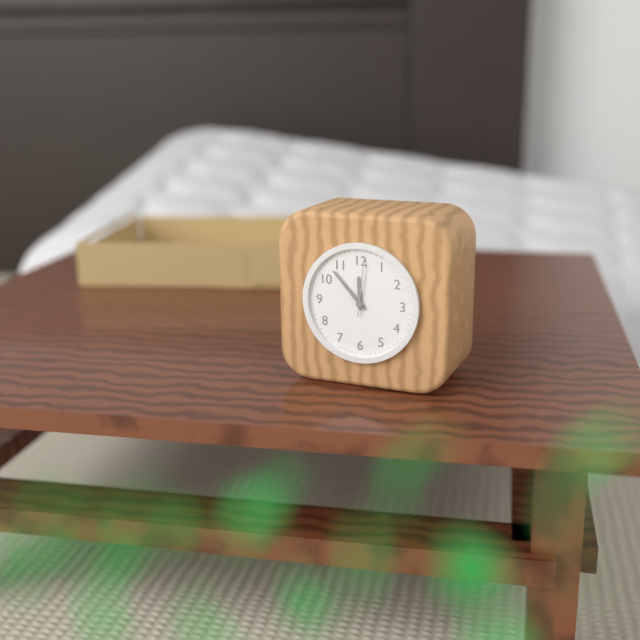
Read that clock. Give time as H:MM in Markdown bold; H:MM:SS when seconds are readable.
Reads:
**11:53:01**
